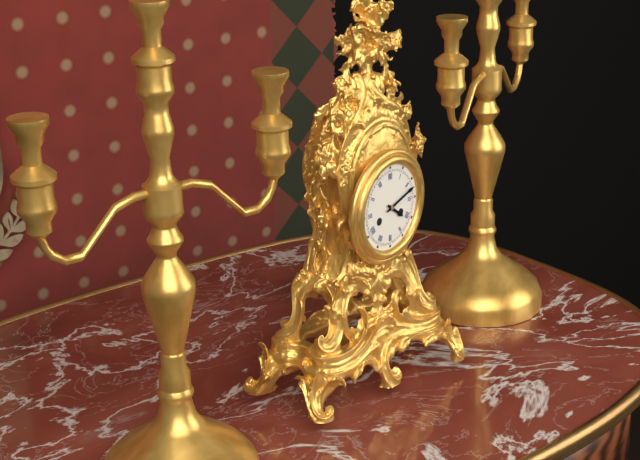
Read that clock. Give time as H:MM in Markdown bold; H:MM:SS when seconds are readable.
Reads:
**4:12**
